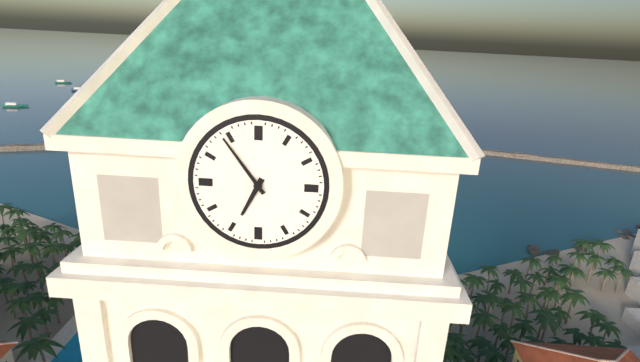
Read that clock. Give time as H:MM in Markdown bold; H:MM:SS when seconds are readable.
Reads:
**6:54**
